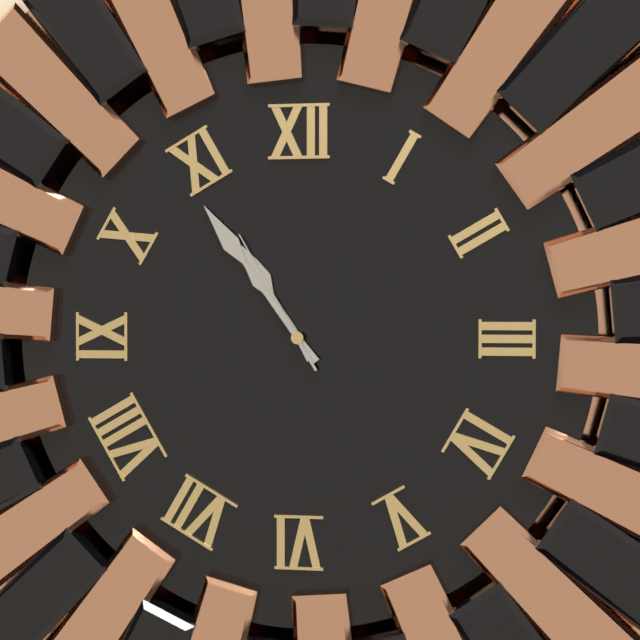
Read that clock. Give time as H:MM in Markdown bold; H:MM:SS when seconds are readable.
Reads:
**10:54:55**
